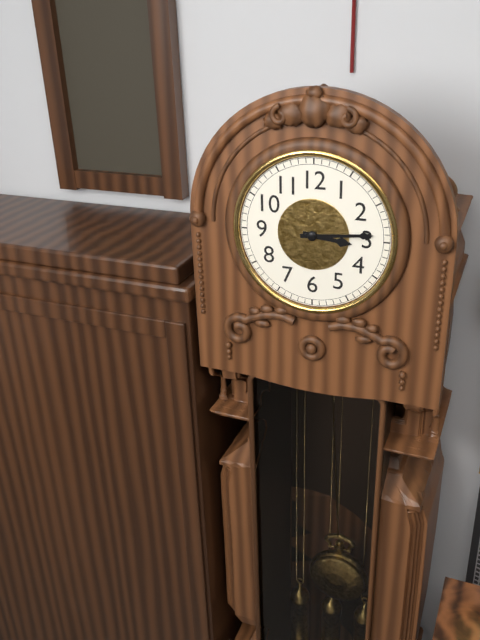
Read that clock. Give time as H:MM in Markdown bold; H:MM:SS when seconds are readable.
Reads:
**3:14**
